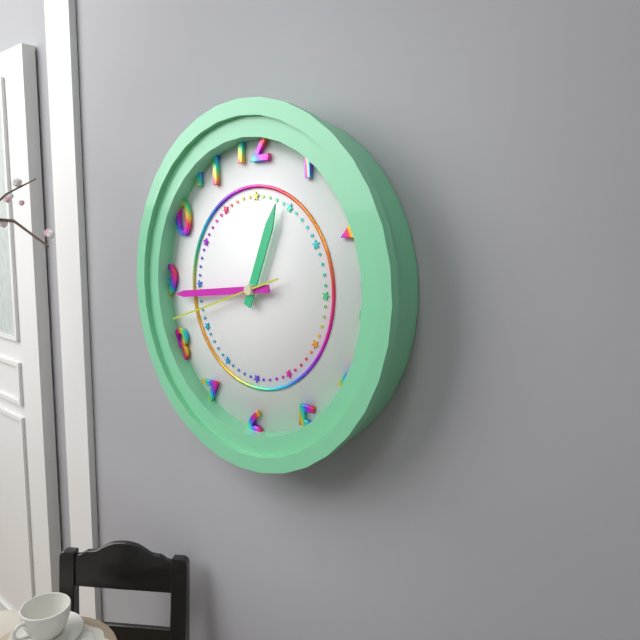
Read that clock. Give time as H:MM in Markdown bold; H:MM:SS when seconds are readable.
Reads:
**12:44:42**
